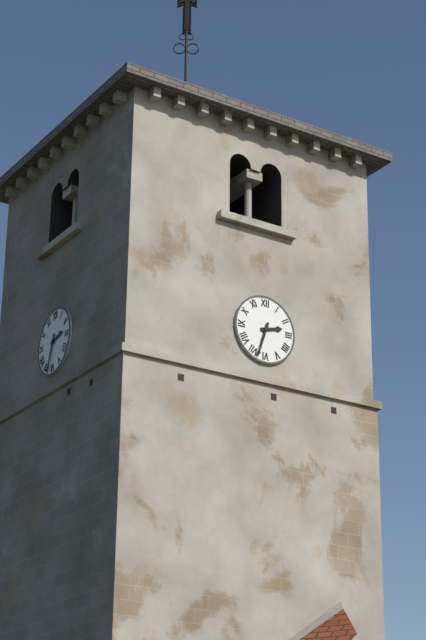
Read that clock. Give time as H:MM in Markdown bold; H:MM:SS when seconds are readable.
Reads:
**2:33**
